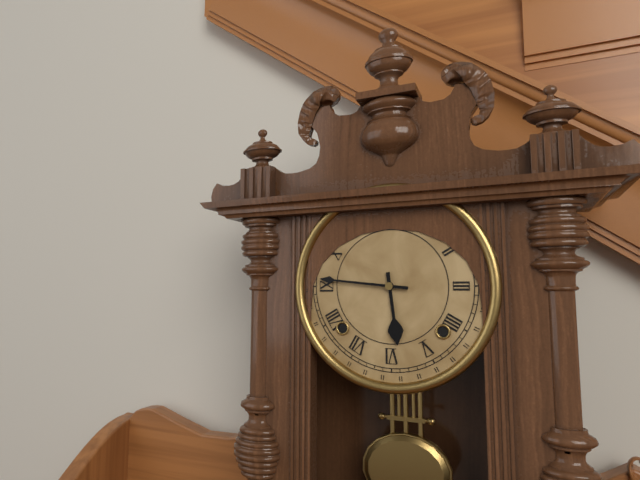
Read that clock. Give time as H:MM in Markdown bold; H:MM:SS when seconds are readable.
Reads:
**5:46**
